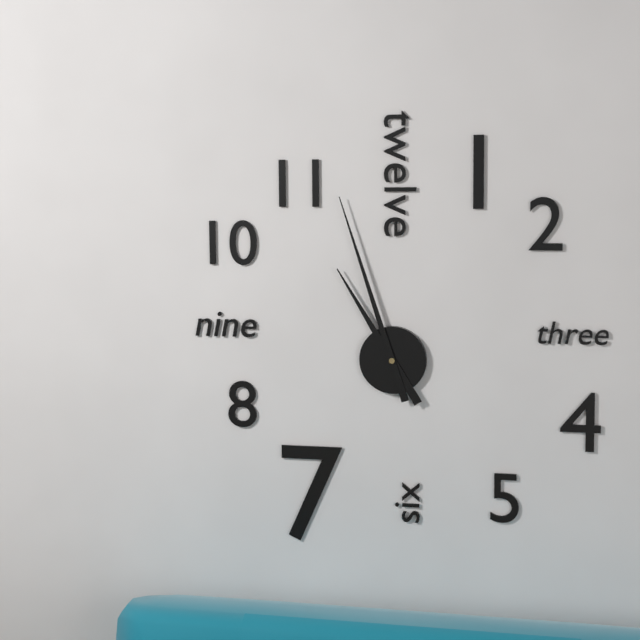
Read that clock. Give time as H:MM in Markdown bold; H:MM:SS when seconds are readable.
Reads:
**10:57**
